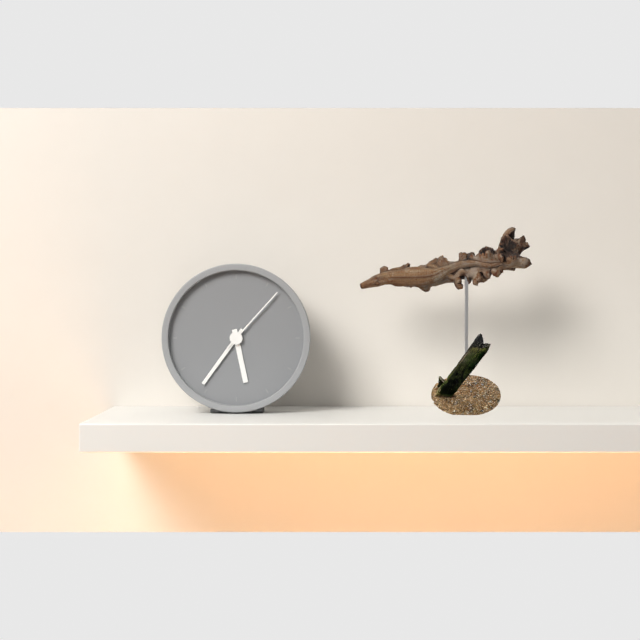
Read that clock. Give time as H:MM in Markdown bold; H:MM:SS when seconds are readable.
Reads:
**5:36:07**
